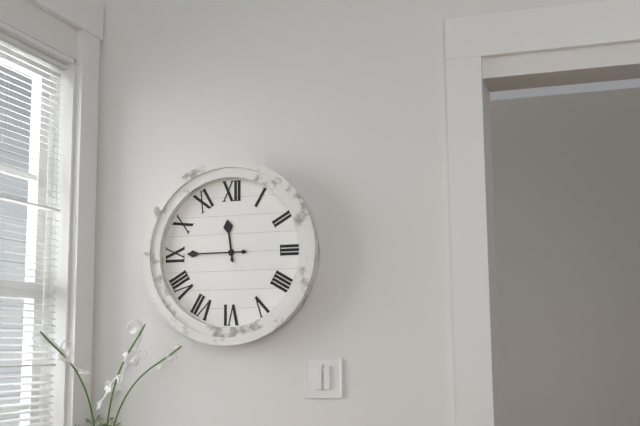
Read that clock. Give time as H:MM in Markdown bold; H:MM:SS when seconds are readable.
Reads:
**11:45**
